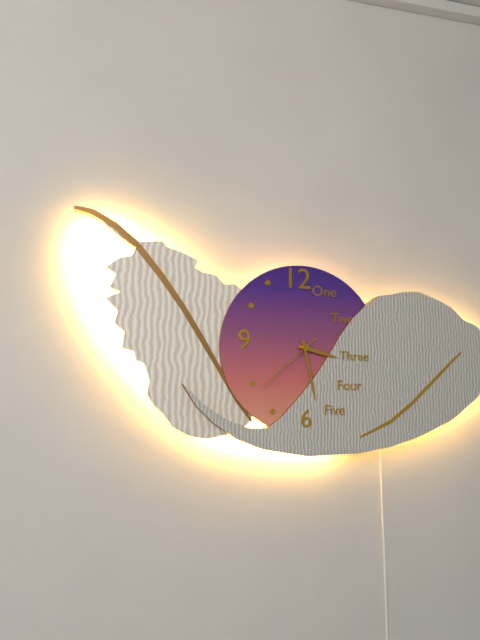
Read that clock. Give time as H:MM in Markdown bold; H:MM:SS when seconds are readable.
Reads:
**3:28:38**
